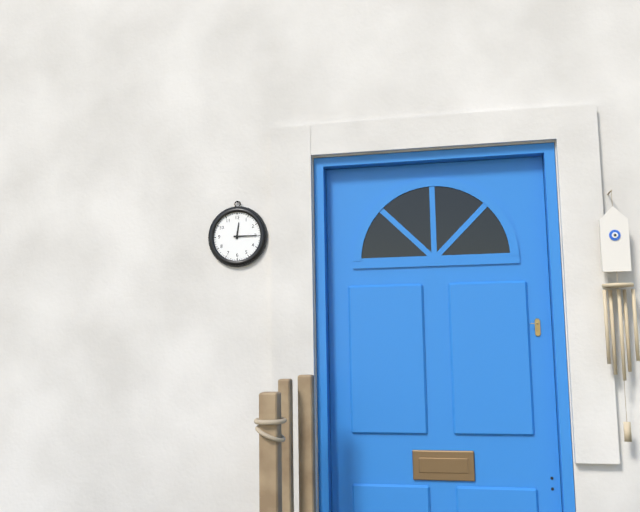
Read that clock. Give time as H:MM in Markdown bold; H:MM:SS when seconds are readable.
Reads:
**12:15**
